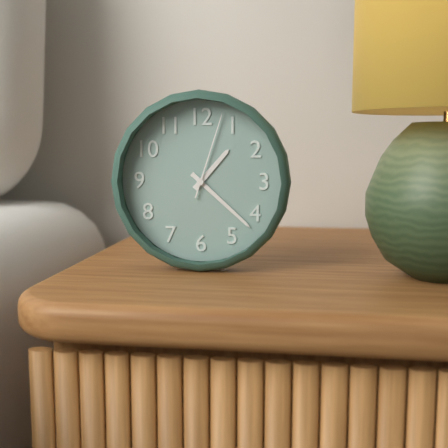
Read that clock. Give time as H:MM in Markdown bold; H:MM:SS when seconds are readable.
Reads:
**1:22:03**
